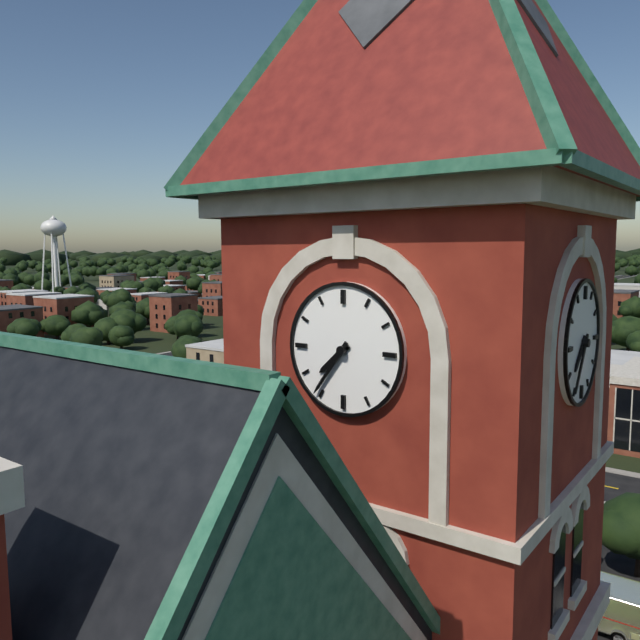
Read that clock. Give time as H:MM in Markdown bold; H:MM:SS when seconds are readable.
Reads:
**7:36**
